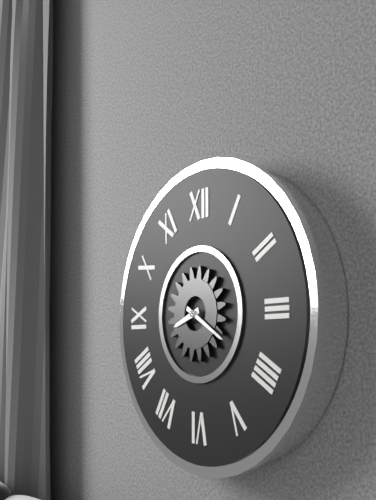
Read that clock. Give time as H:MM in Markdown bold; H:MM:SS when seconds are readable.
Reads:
**8:20**
